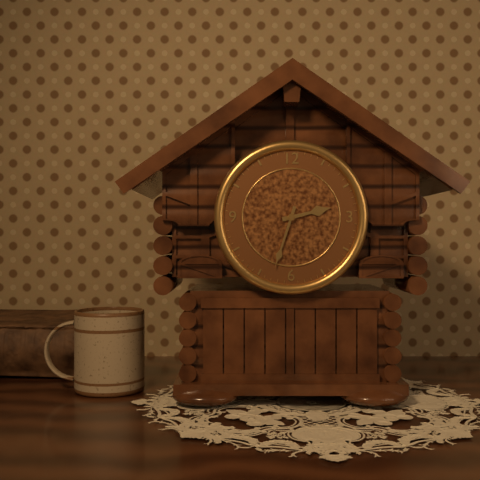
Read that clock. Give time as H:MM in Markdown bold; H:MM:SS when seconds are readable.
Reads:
**2:33**
